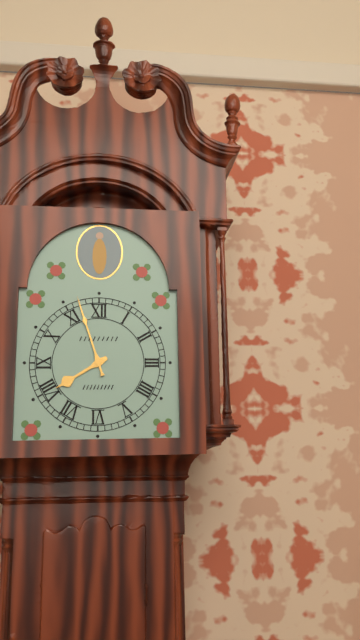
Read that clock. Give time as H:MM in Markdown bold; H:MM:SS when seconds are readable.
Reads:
**7:57**
